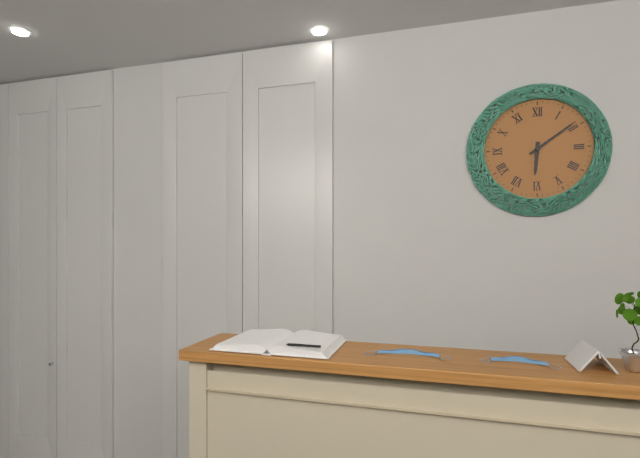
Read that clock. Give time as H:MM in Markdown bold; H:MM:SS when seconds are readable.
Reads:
**6:09**
